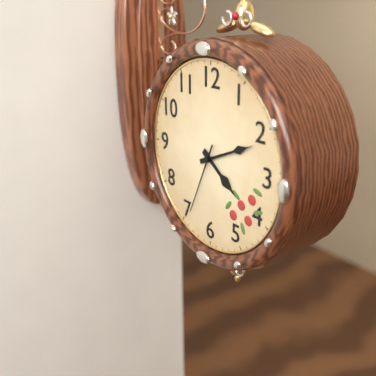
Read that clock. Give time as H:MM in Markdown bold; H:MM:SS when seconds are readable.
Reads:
**4:11:34**
